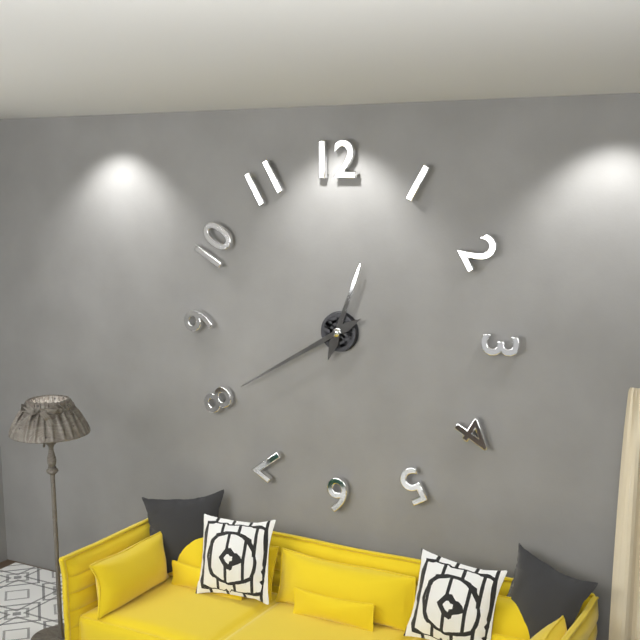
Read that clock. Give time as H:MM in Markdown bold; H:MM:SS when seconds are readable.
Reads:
**12:40**
